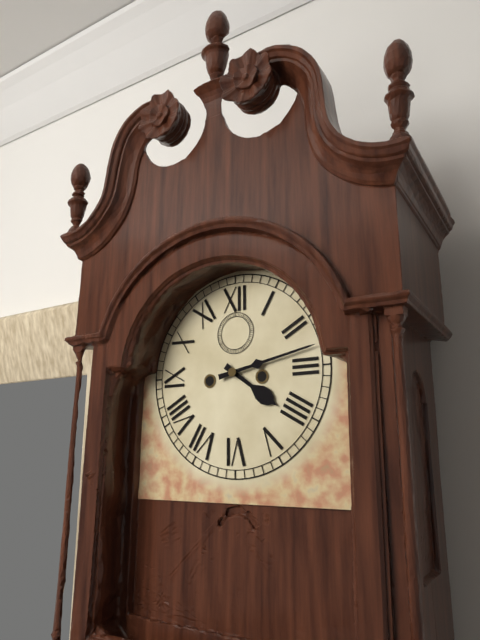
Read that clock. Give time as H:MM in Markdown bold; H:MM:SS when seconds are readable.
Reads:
**4:13**
